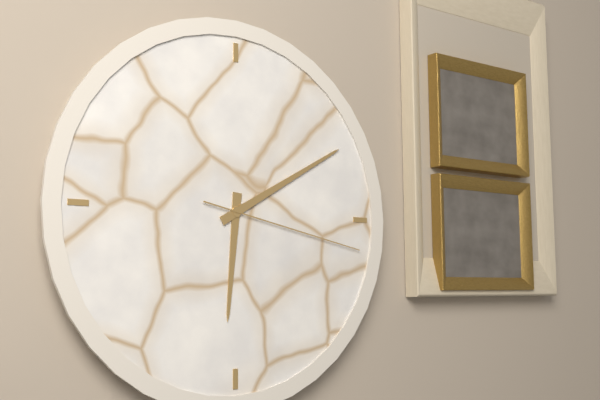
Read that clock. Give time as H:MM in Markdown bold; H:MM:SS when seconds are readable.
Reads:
**6:10:17**
